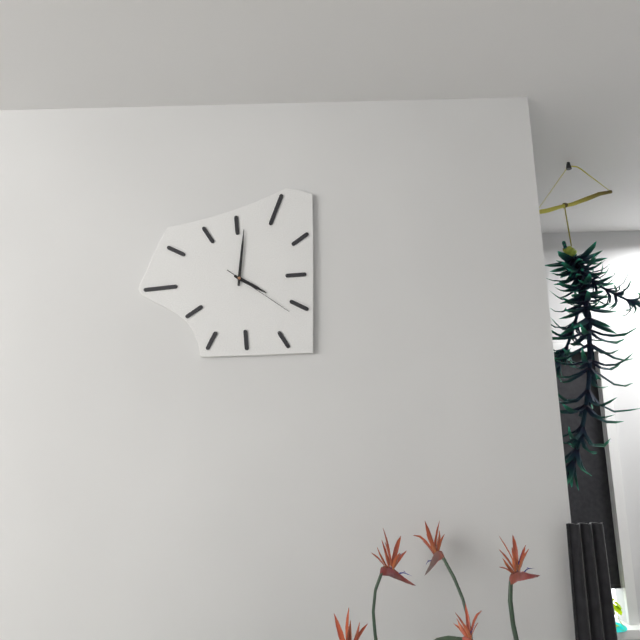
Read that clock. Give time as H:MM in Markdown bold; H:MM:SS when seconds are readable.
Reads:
**4:01:21**
